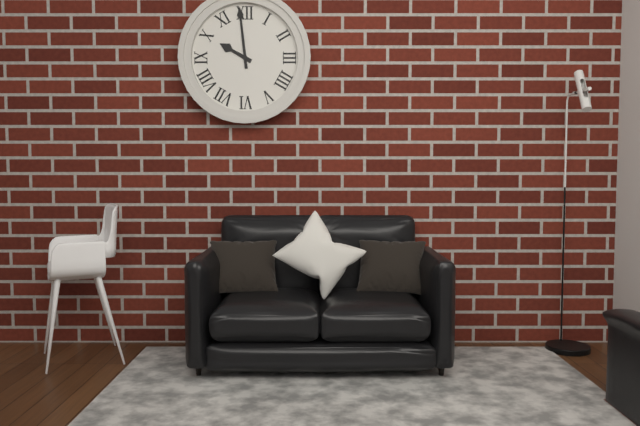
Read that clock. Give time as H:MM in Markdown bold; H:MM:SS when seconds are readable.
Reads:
**9:59**
